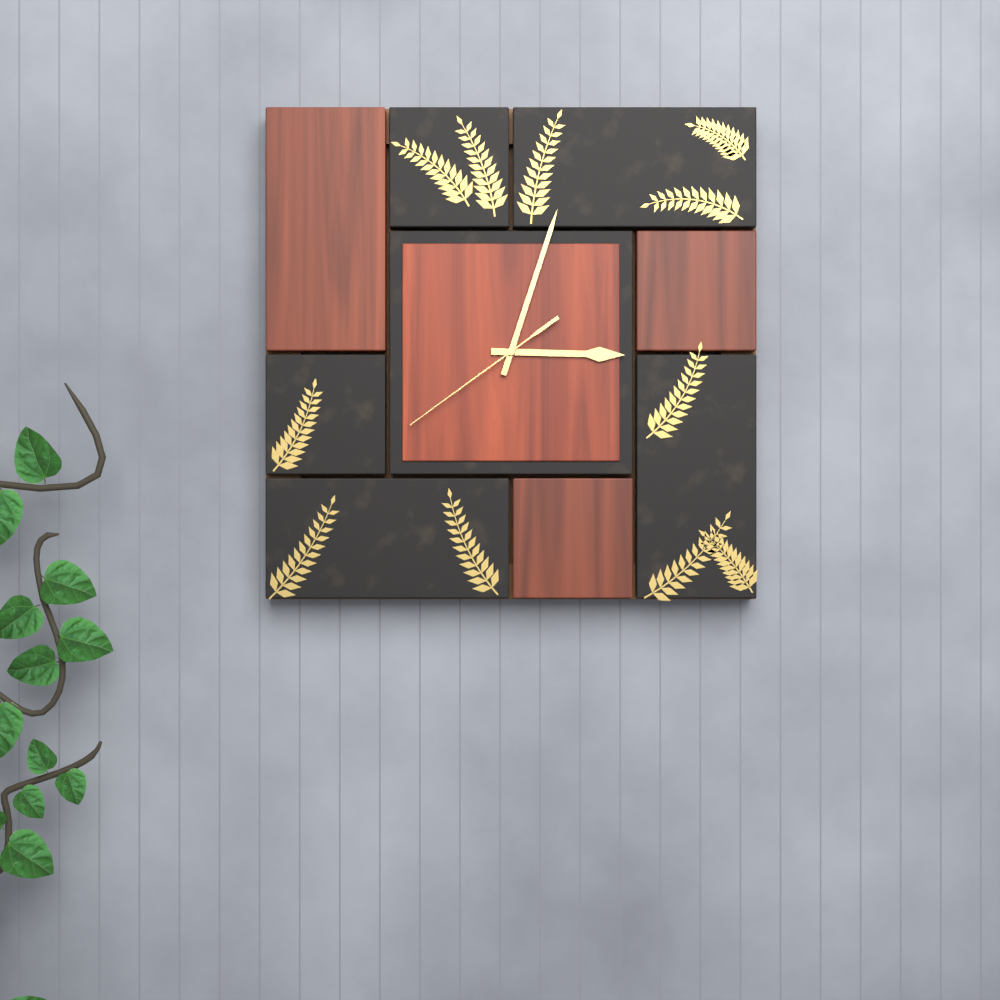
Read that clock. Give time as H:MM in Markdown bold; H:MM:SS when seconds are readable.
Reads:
**3:03:39**
